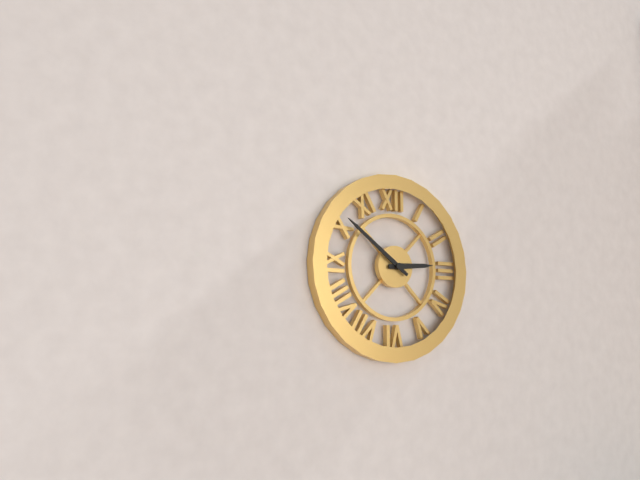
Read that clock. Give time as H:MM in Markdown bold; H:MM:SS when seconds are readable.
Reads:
**2:51**
